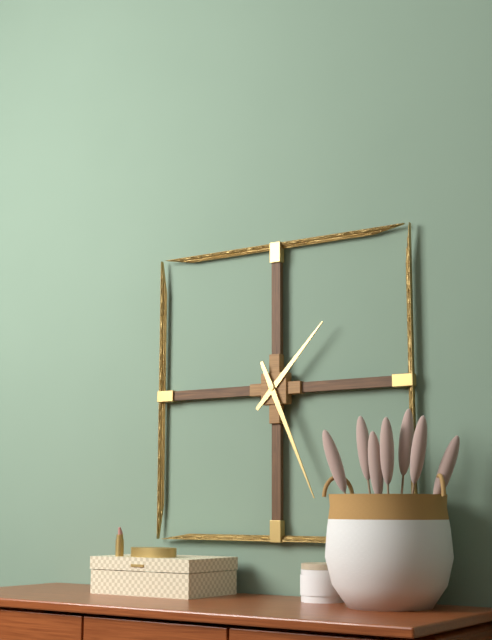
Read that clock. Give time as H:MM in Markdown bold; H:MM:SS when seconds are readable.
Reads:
**1:26**
